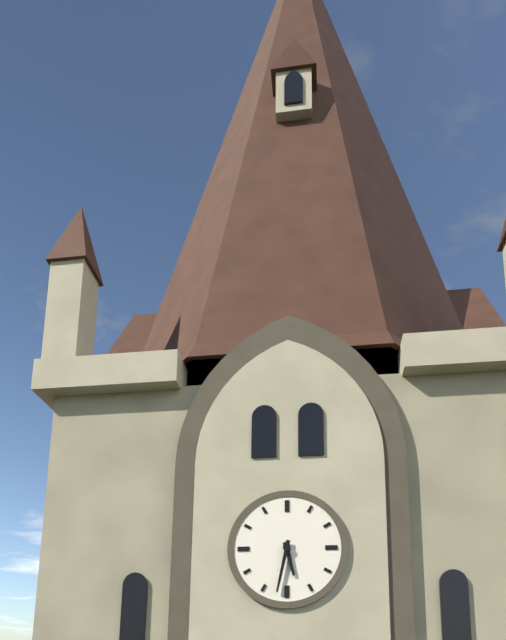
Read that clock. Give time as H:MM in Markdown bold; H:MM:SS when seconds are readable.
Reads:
**5:32**
